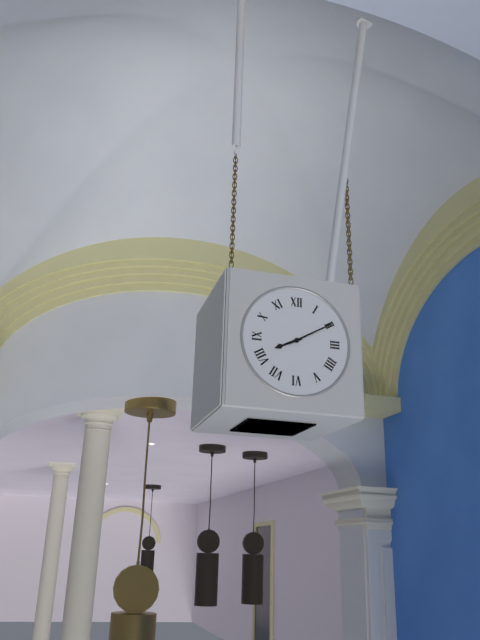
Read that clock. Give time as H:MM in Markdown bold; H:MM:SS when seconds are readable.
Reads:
**8:10**
